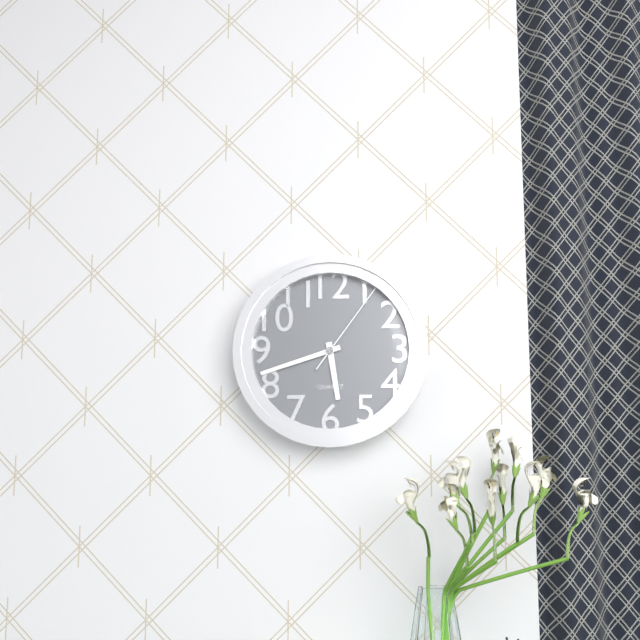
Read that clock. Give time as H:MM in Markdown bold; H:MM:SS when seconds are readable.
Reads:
**5:42:06**
